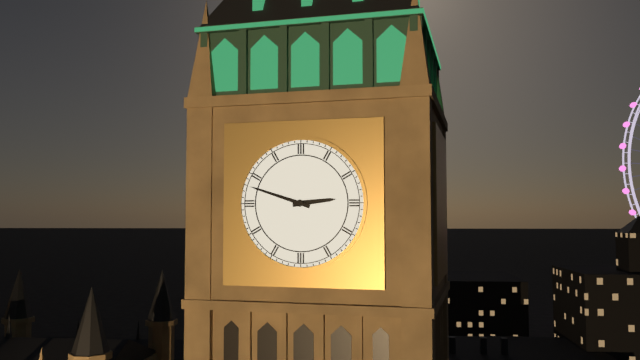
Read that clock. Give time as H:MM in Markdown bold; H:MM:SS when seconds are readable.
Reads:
**2:48**
